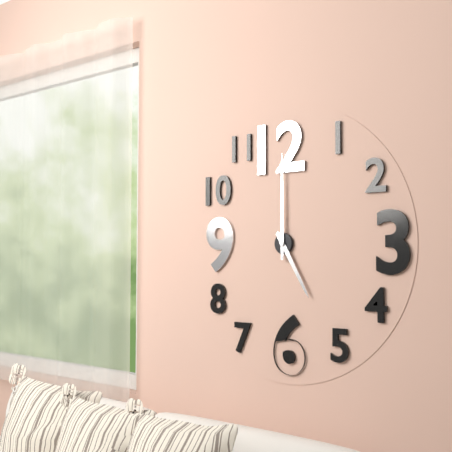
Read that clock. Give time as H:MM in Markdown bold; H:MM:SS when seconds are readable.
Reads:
**5:00**
